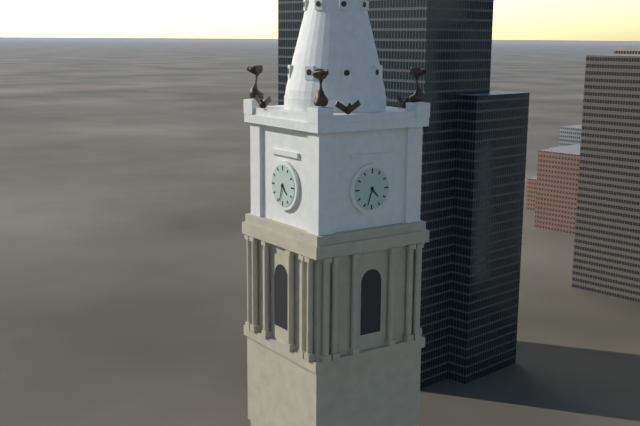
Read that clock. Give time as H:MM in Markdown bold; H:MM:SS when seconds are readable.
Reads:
**4:33**
